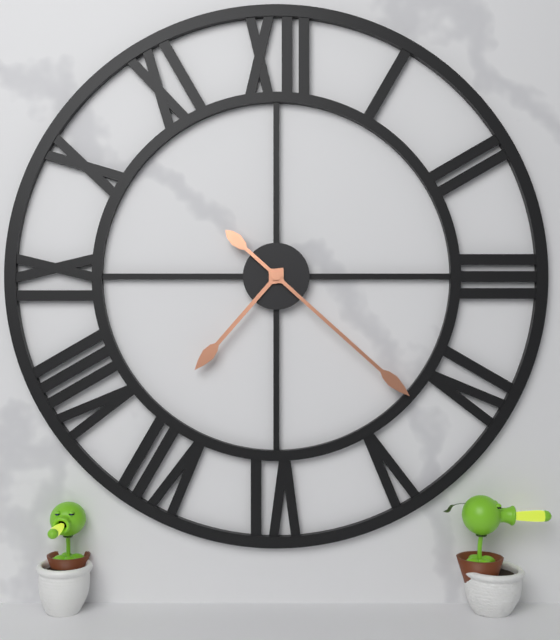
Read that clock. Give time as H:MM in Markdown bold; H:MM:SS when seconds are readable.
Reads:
**7:22**
